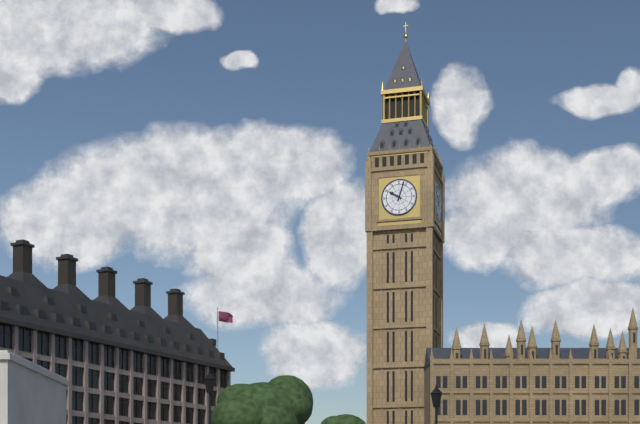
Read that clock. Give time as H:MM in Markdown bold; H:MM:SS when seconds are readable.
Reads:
**10:03**
